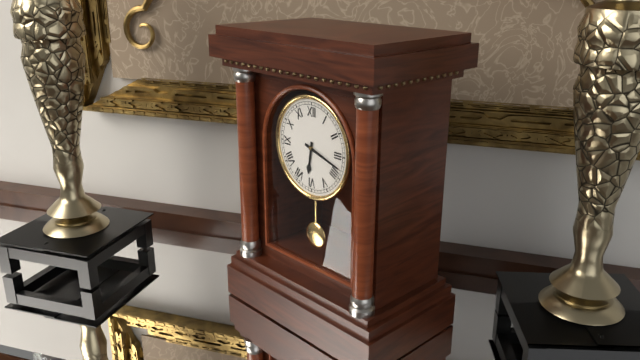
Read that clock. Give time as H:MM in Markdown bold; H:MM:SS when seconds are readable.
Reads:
**6:18**
